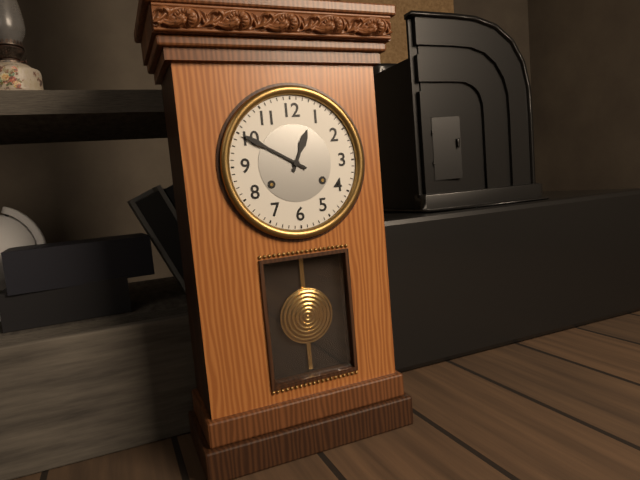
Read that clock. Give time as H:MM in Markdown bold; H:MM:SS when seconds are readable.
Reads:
**12:50**
